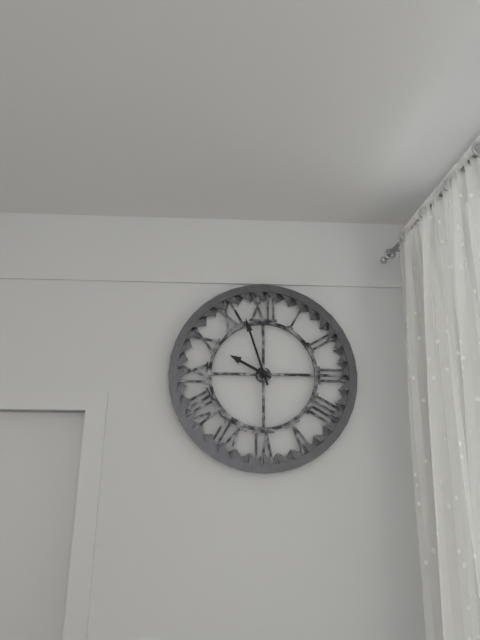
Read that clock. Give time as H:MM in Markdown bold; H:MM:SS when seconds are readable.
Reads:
**9:57**
